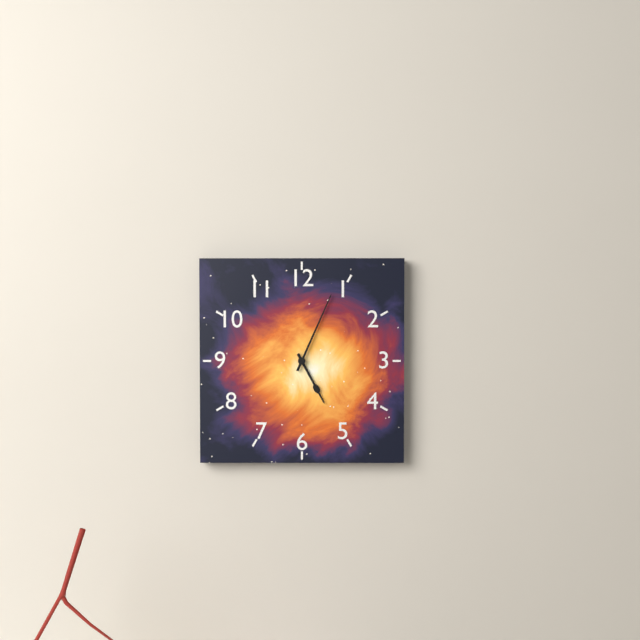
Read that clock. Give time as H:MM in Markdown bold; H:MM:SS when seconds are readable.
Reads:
**5:04**
